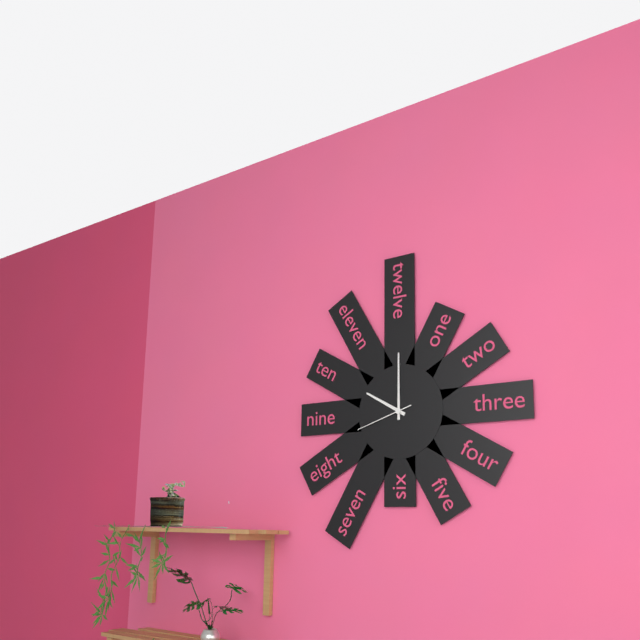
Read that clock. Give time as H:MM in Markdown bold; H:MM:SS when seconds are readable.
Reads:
**10:00:42**
